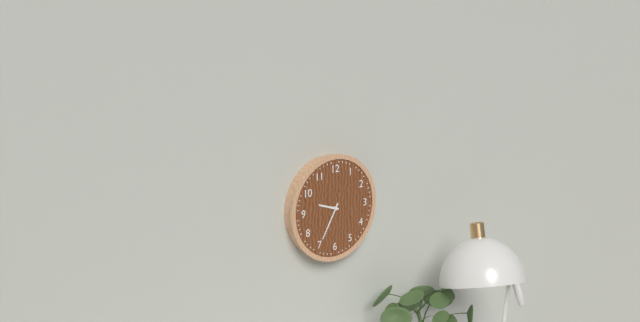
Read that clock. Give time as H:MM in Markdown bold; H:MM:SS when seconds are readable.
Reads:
**9:35**
